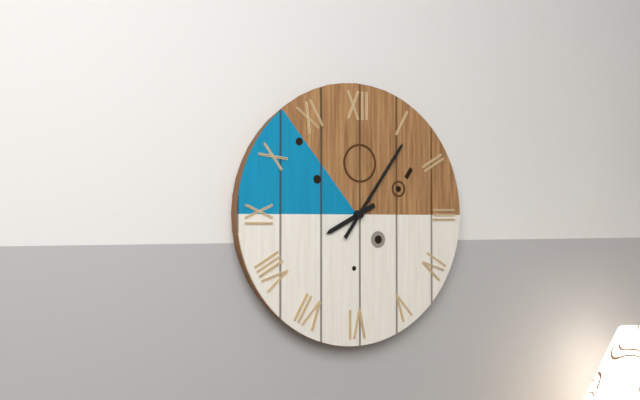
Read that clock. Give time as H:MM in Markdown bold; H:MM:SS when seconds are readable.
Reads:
**8:06**
